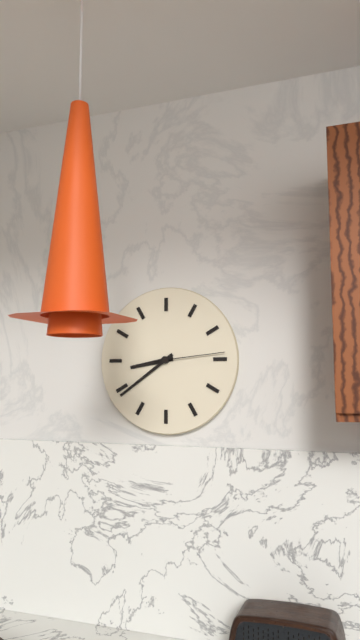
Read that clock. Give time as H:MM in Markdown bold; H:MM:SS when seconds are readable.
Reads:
**8:39:14**
